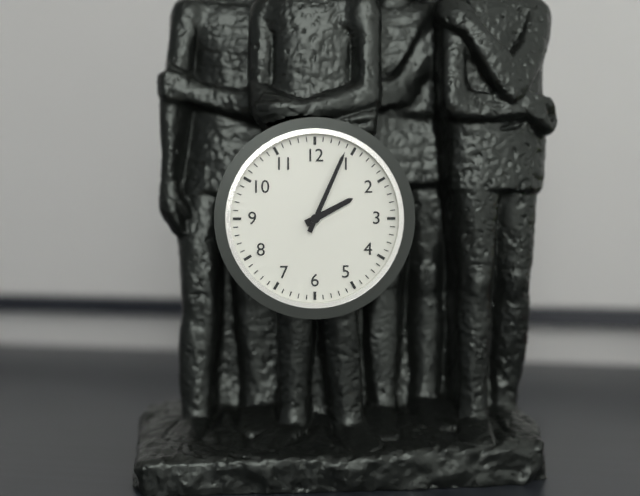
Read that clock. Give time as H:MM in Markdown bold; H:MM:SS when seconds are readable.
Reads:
**2:04**
